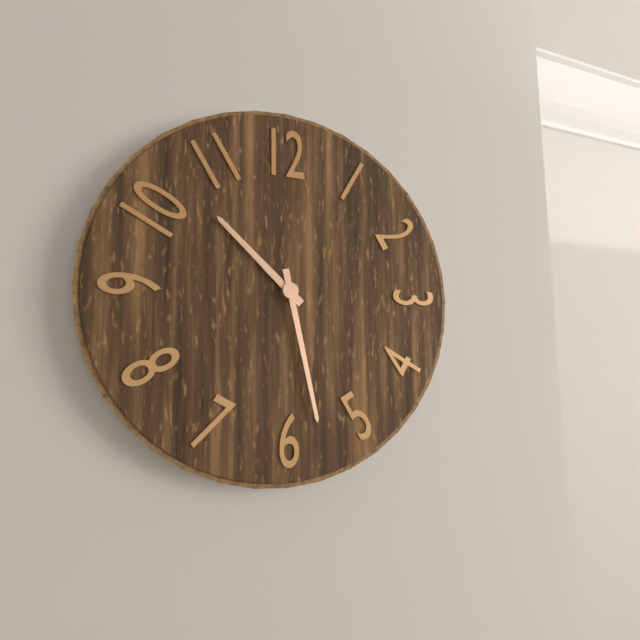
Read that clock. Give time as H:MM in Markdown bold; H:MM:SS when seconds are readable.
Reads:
**10:28**
